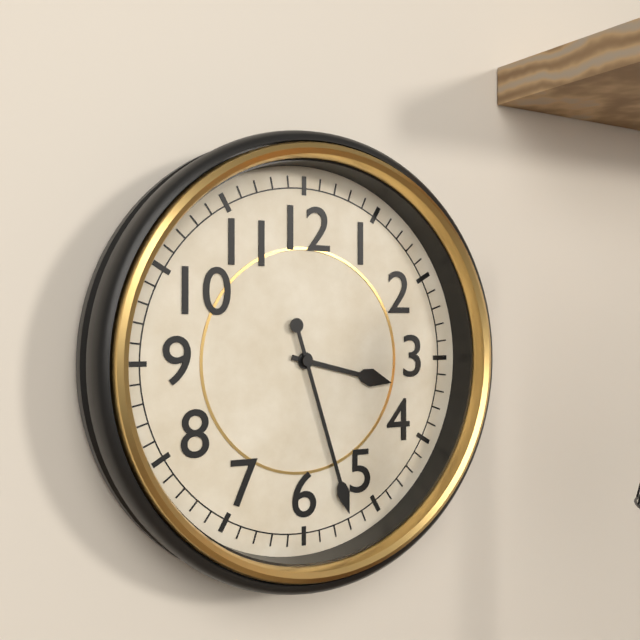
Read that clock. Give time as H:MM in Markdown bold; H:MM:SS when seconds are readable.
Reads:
**3:27**
